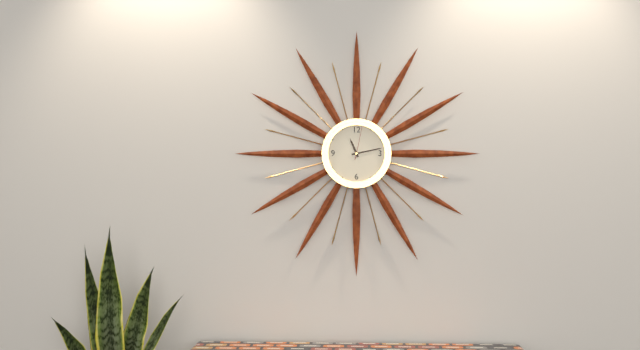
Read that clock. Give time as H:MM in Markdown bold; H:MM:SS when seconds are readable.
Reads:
**11:13**
